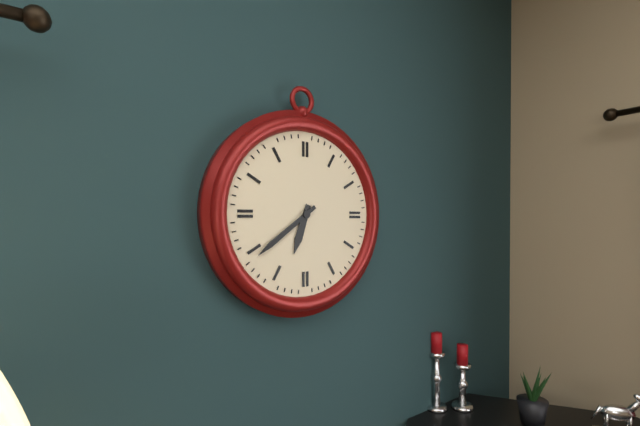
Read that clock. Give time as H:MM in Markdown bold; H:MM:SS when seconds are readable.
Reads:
**6:39**
